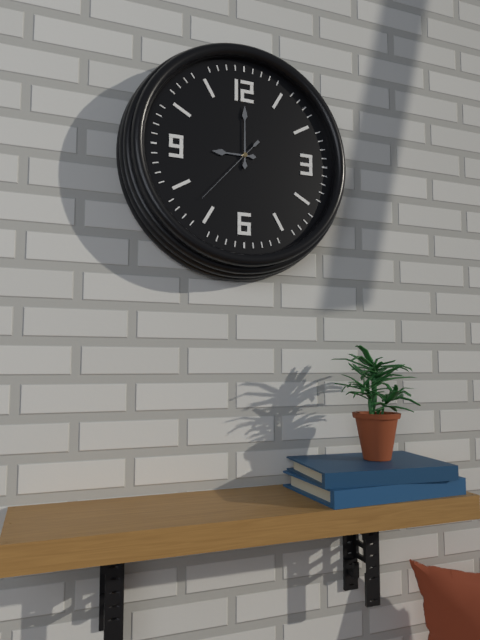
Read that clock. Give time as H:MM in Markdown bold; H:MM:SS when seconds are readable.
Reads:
**9:00:37**
